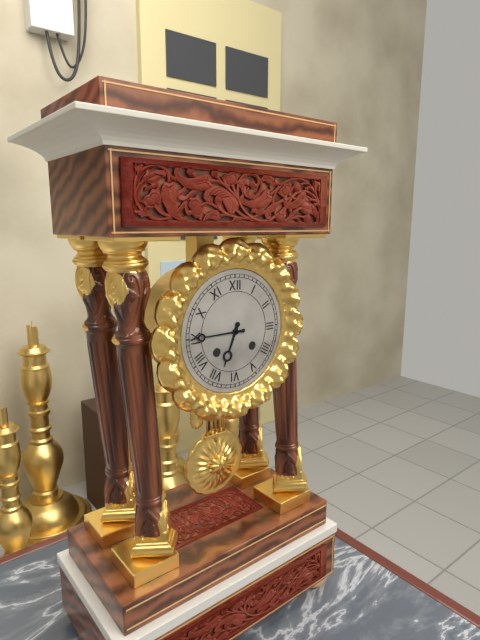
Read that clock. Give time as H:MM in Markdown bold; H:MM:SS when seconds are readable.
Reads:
**6:45**
